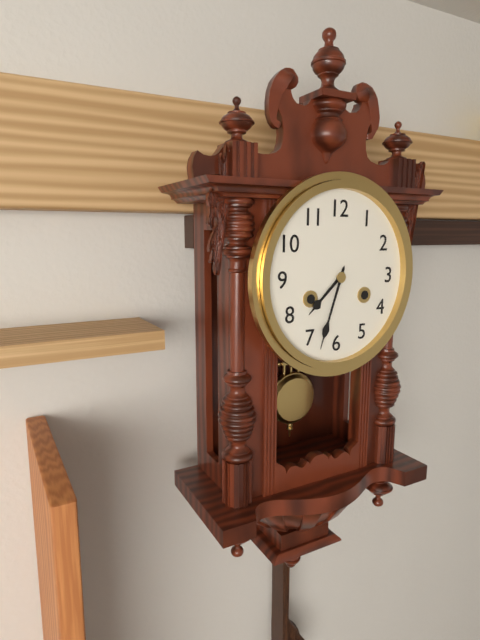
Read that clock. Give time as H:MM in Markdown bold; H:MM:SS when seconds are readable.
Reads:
**7:33**
